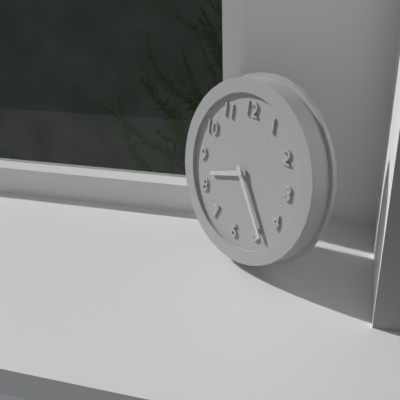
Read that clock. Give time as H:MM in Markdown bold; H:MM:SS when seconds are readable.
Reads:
**8:24**
